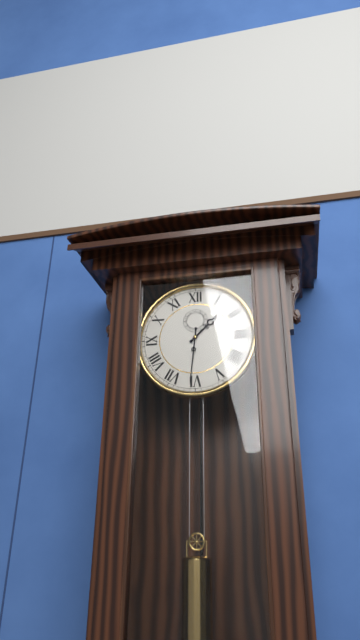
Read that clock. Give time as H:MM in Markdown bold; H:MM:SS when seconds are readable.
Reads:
**1:31**
